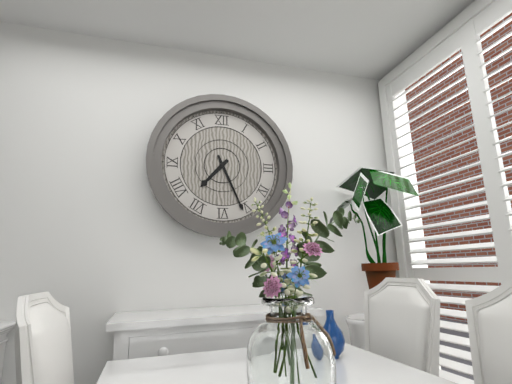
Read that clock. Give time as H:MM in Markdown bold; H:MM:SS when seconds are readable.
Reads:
**7:26**
